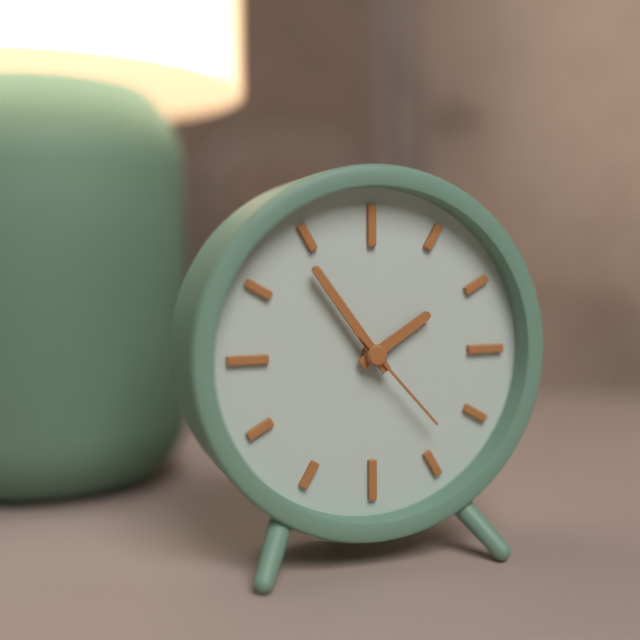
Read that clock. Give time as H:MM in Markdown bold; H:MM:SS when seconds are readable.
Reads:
**1:54:23**
